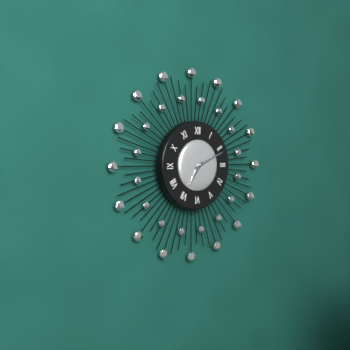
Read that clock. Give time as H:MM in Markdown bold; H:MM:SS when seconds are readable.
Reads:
**7:11**
